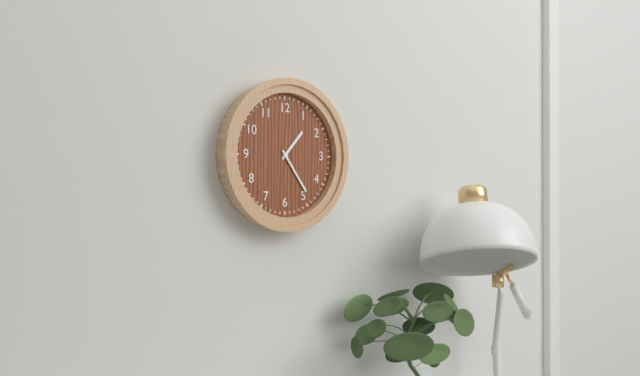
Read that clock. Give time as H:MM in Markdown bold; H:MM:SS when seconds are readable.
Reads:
**1:24**
